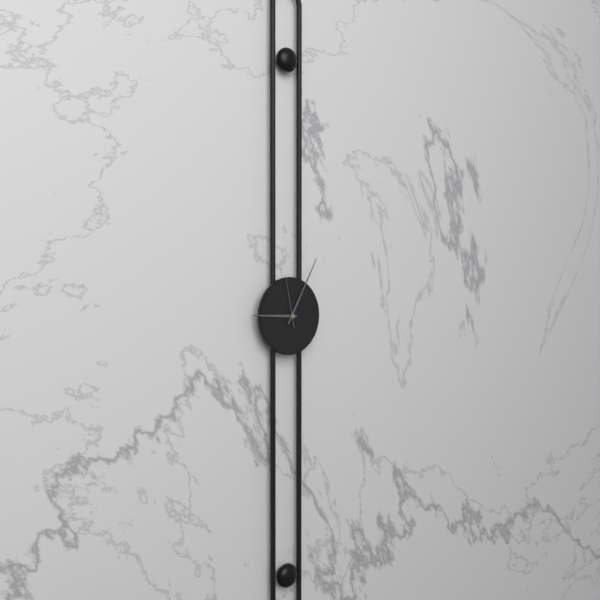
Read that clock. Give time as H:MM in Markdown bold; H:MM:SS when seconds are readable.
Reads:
**9:05:58**
